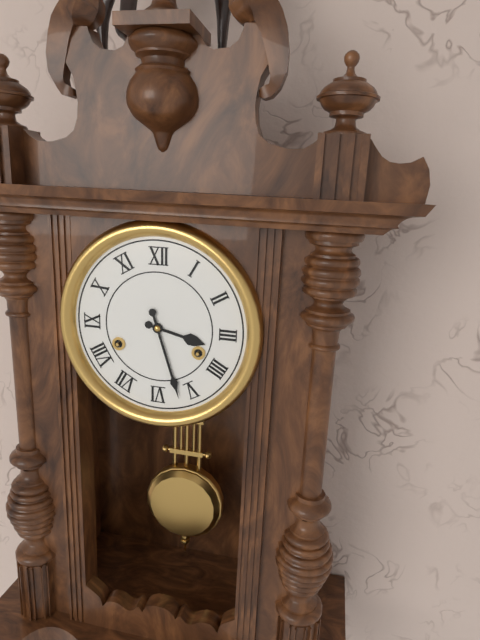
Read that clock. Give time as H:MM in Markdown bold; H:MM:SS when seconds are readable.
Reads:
**3:27**
